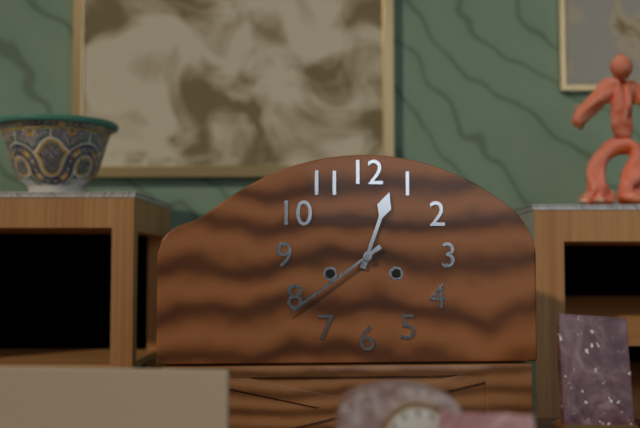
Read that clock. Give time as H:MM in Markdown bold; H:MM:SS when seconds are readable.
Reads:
**12:39**
